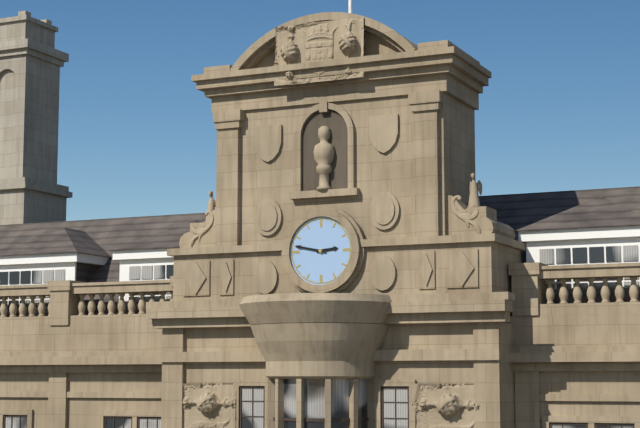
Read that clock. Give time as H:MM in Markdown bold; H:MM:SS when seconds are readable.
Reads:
**2:47**
